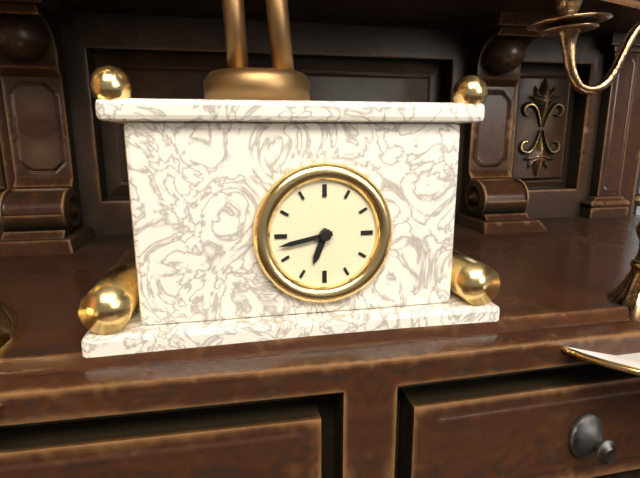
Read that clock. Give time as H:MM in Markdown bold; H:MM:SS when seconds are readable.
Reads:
**6:43**
